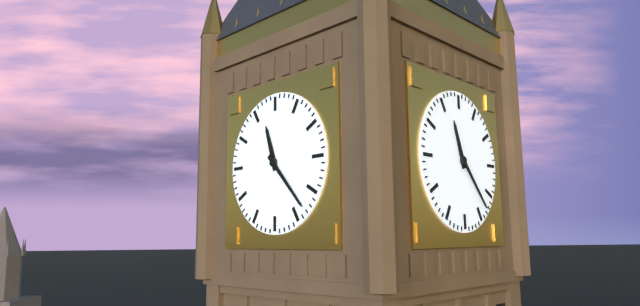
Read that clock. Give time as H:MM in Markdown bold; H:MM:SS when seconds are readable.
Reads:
**11:23**
